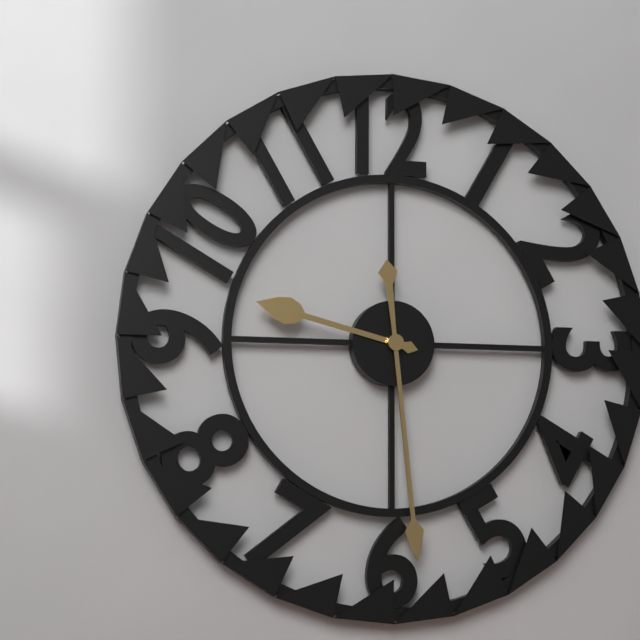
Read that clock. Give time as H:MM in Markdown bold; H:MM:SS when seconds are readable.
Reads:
**9:29**
